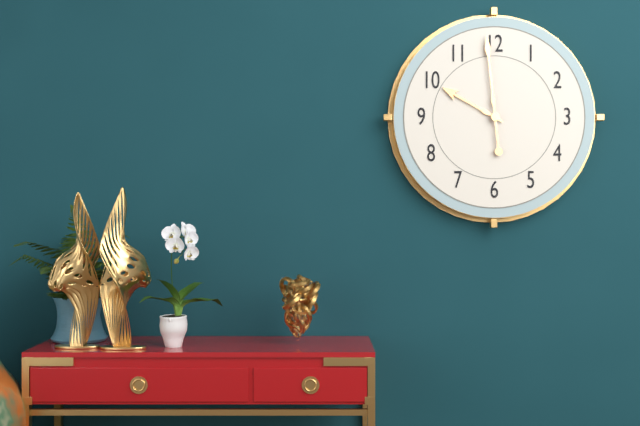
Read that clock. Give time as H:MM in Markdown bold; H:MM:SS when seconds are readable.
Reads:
**9:59**
